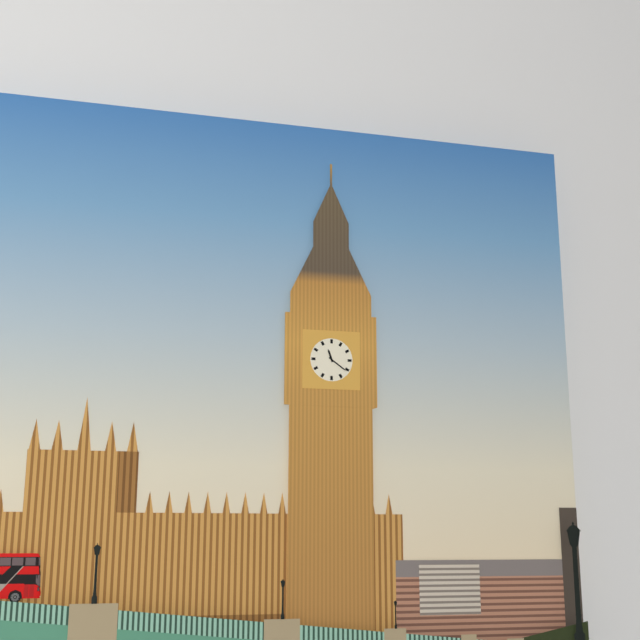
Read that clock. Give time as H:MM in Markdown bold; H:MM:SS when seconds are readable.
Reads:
**11:21**
